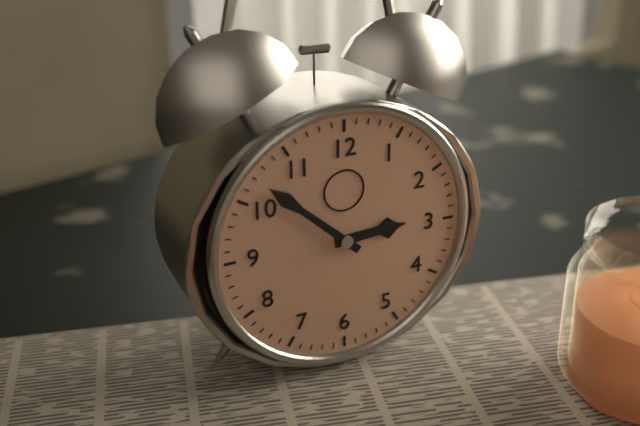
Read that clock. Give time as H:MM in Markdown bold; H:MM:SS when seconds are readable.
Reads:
**2:52**
